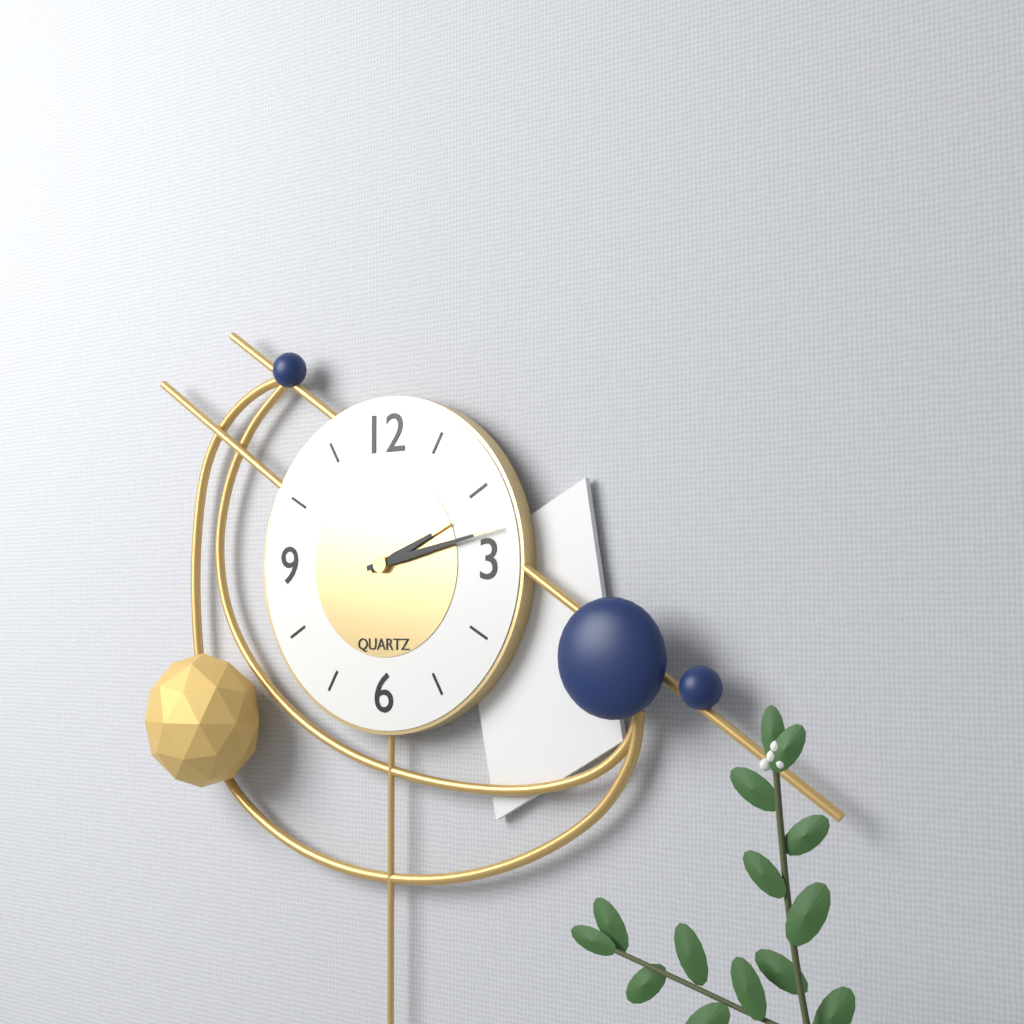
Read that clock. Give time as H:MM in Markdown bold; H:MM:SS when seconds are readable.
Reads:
**2:13**
